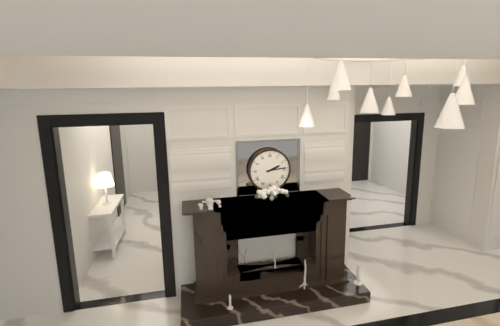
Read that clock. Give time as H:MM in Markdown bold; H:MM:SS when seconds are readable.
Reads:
**2:14**
